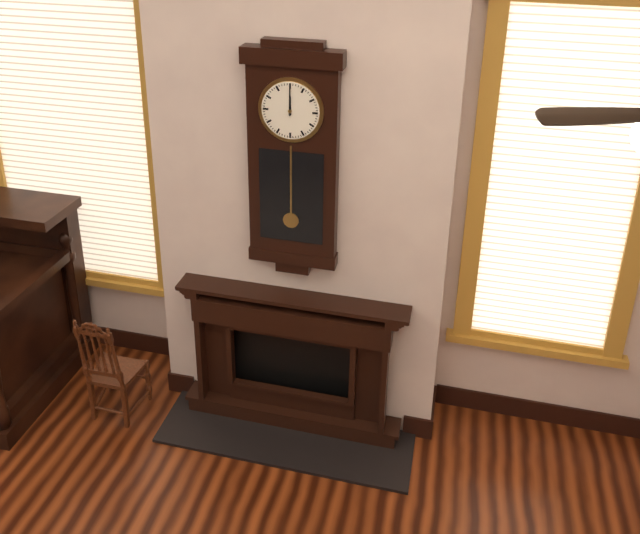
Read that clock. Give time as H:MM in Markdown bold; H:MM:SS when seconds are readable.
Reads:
**12:00**
